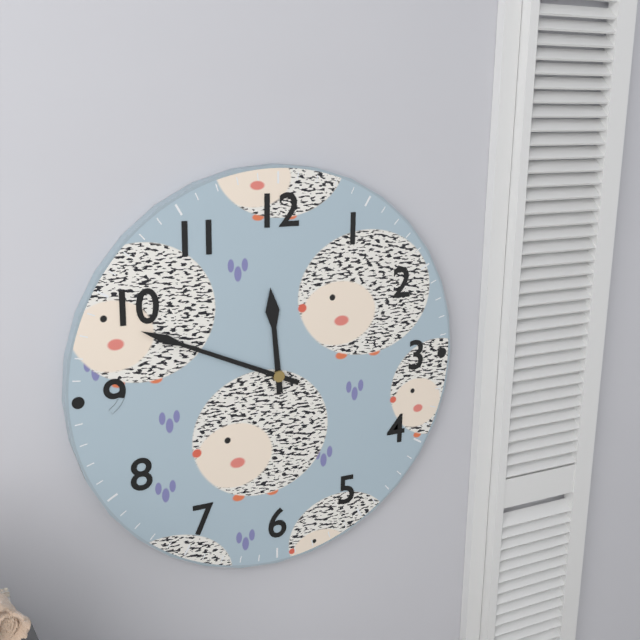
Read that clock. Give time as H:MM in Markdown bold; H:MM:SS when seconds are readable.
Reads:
**11:49**
